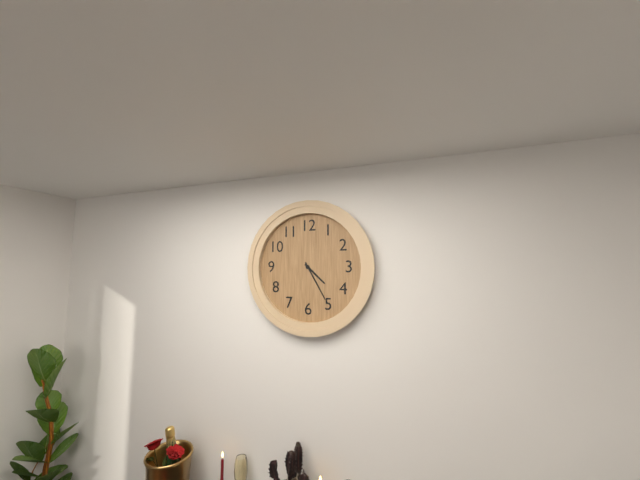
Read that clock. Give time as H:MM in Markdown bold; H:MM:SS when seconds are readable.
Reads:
**4:25**
